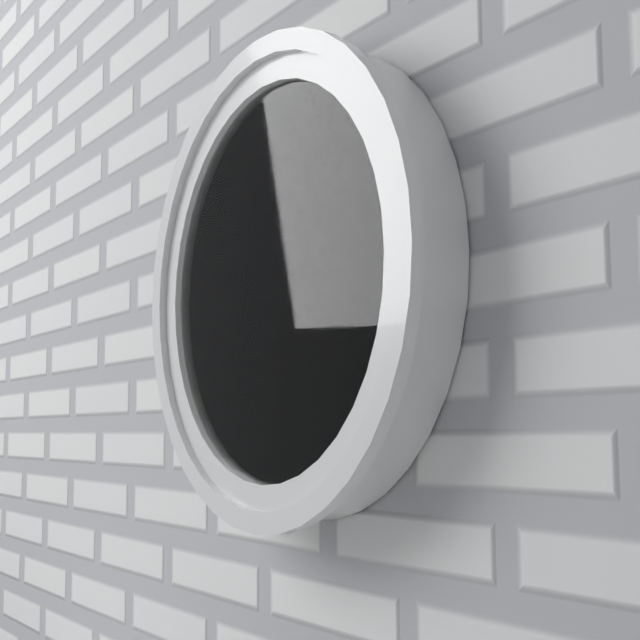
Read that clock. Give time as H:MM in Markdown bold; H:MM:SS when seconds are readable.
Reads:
**12:32:21**
